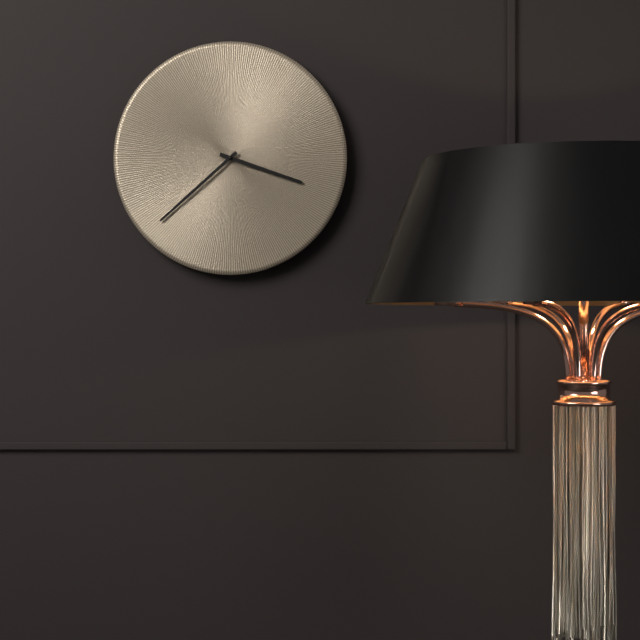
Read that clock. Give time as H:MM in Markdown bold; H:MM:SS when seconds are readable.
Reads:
**3:38**
